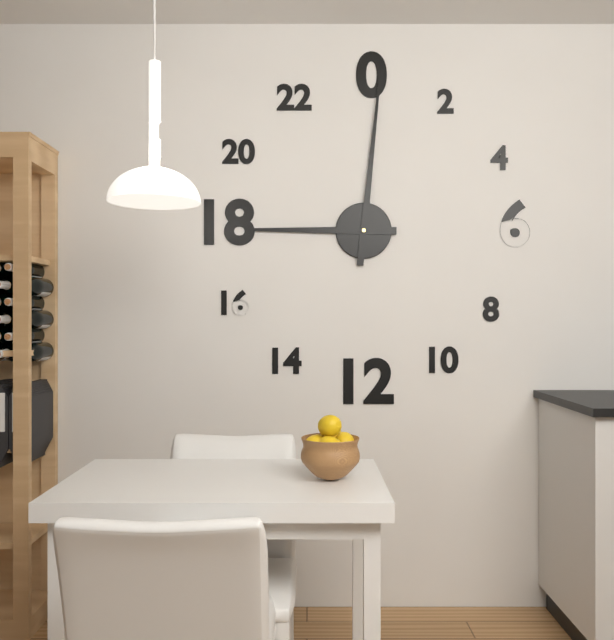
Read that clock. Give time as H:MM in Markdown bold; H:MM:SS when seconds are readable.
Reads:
**9:01**
